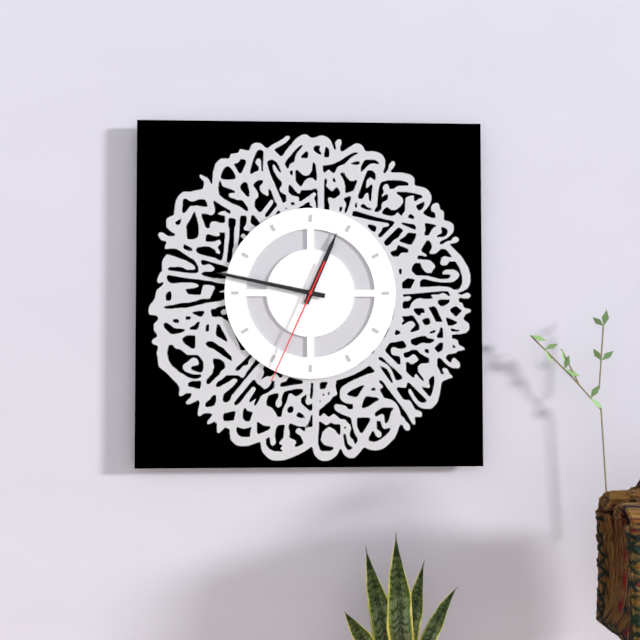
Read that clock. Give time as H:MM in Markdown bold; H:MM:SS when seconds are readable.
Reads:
**12:47:34**
